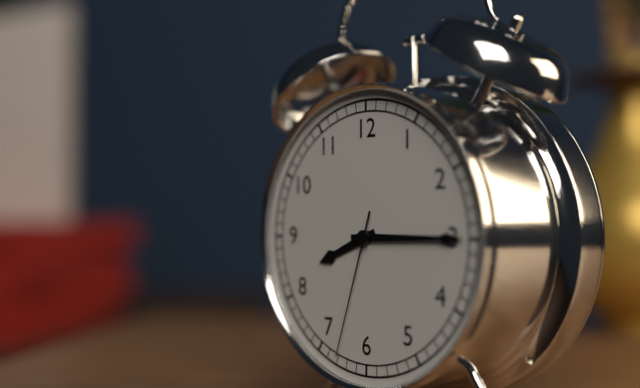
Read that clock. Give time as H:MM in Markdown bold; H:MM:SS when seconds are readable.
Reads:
**8:15:33**
